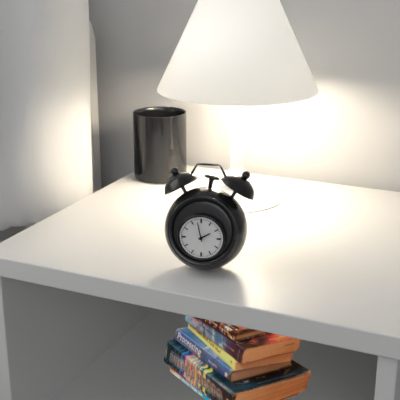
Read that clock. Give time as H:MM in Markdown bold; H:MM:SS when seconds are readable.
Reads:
**1:58**
